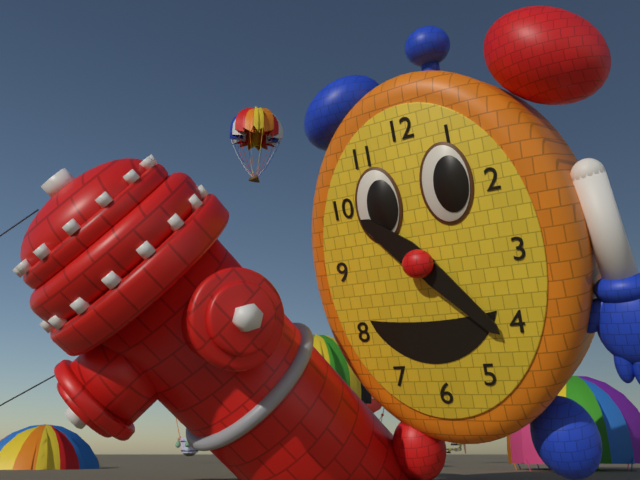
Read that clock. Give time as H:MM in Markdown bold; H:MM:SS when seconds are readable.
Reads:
**10:23**
